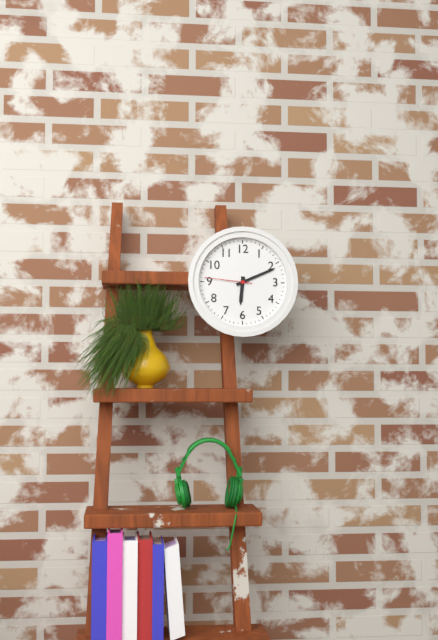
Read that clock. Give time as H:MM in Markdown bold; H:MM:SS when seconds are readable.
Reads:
**6:11**
